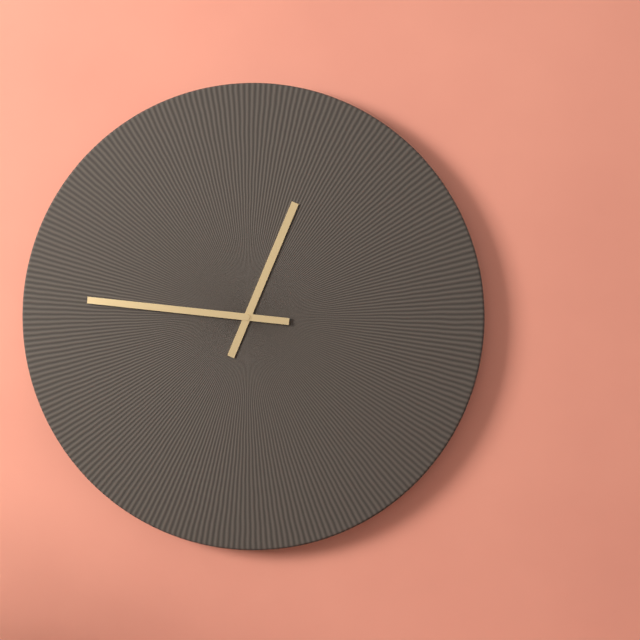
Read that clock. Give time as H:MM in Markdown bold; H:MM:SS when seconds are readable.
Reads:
**12:46**
